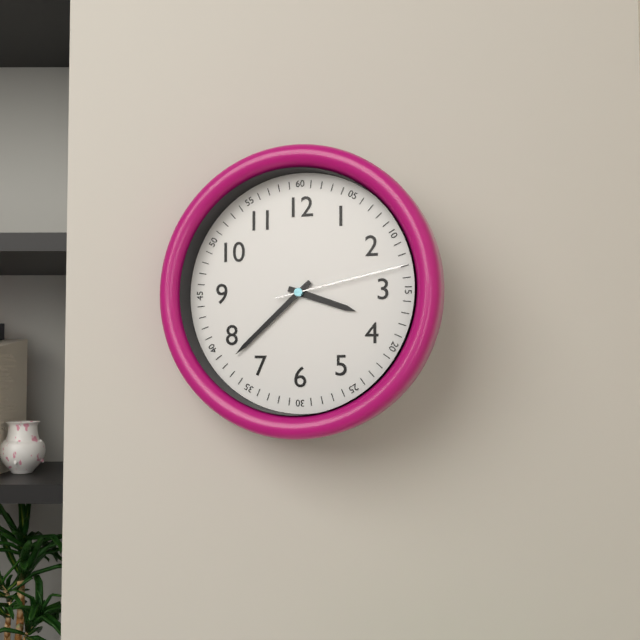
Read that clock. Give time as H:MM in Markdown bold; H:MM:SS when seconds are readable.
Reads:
**3:38:13**
